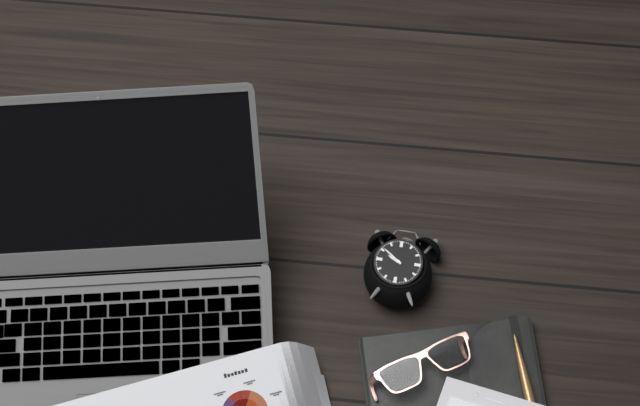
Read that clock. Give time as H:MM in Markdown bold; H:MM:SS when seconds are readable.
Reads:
**9:51**
